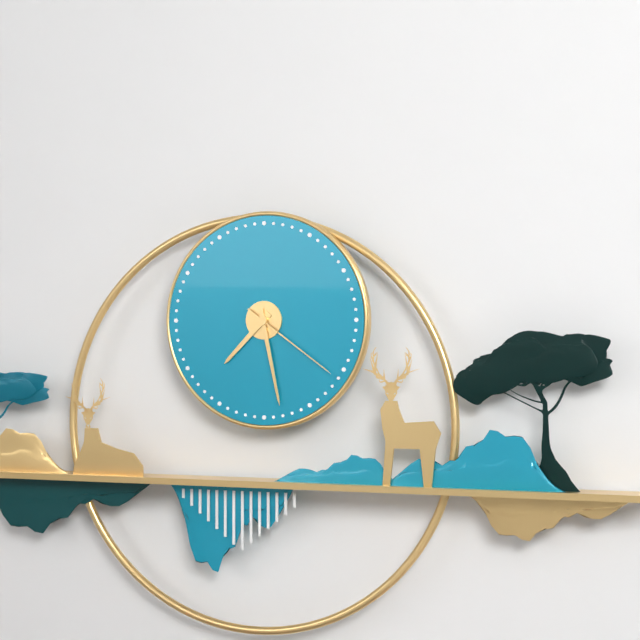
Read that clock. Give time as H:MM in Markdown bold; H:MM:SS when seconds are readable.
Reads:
**7:28:21**
